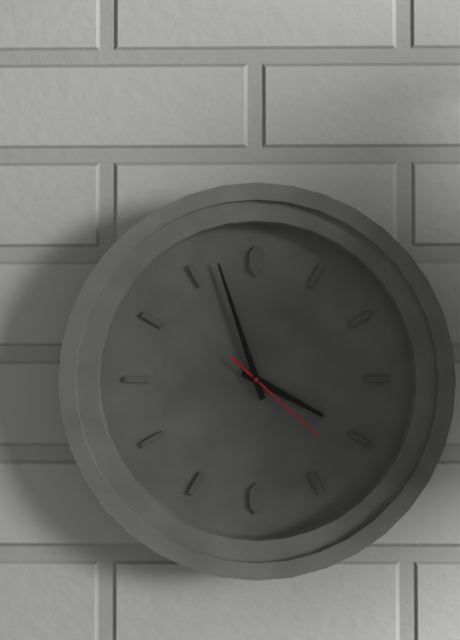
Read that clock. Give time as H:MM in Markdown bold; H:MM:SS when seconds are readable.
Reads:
**3:57:22**
